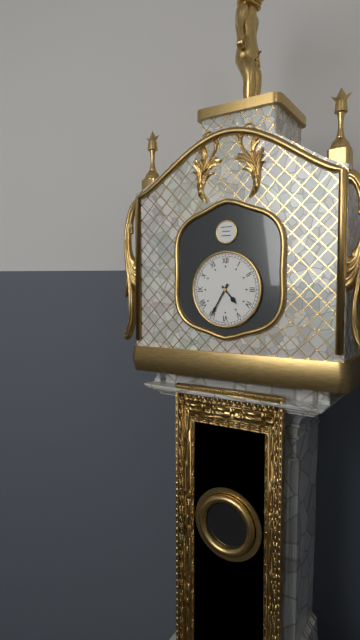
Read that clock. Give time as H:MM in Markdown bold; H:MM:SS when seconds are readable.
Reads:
**4:35**
